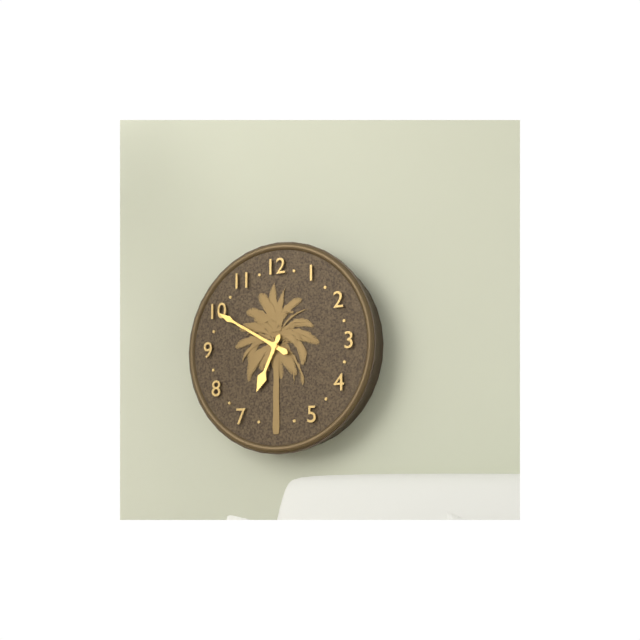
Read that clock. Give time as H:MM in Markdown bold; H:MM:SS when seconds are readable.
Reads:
**6:50**
